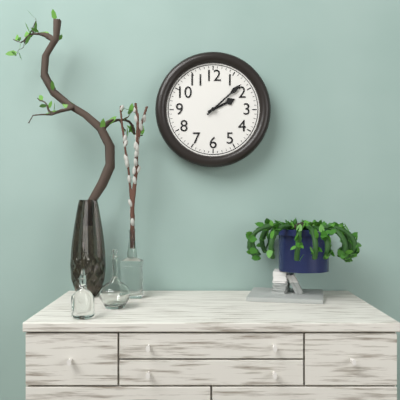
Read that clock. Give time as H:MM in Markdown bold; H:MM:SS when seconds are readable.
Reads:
**2:08**
